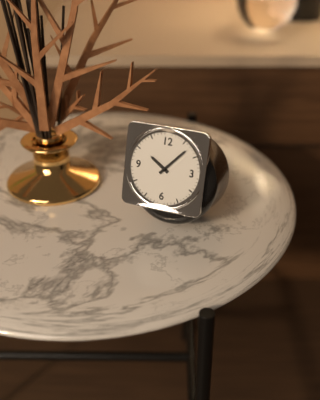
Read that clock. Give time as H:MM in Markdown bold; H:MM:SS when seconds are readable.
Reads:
**10:07**
